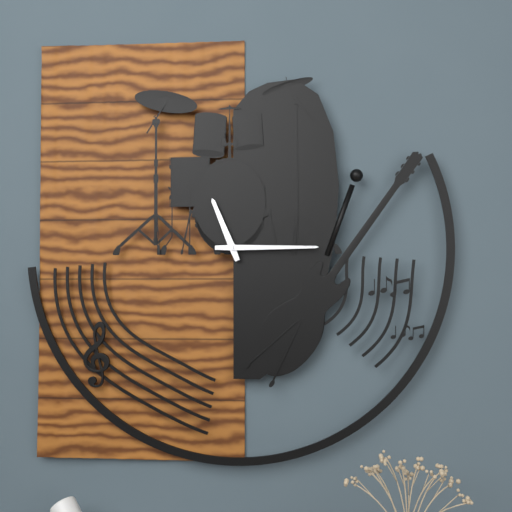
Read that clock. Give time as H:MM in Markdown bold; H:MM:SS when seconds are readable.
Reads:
**11:15**
